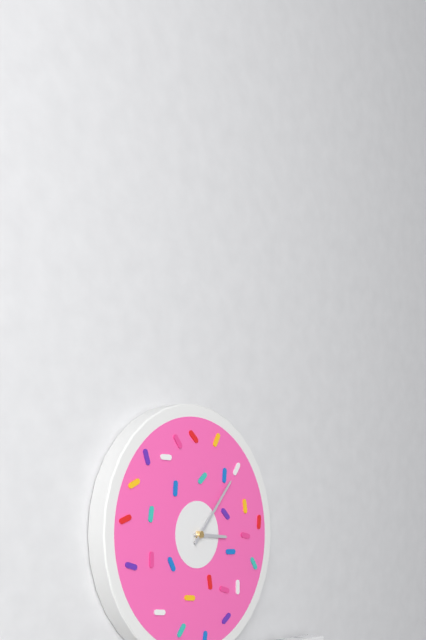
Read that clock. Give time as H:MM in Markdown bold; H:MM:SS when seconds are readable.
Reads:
**3:07**
